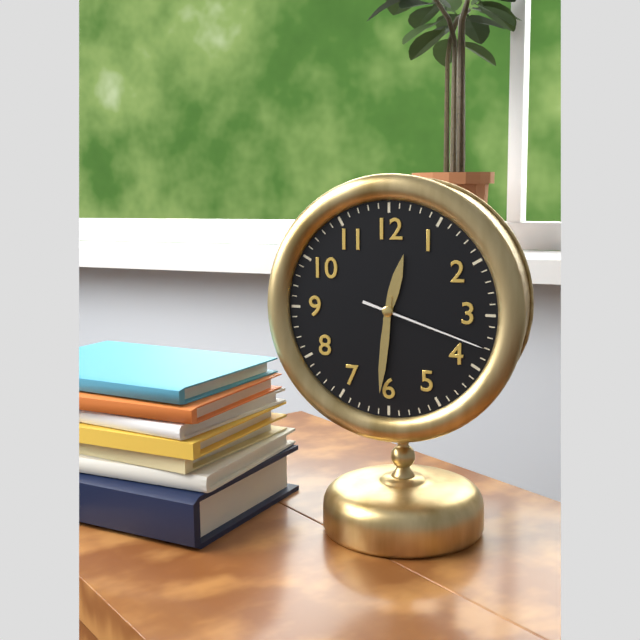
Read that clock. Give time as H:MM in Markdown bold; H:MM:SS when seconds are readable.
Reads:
**12:31:18**
